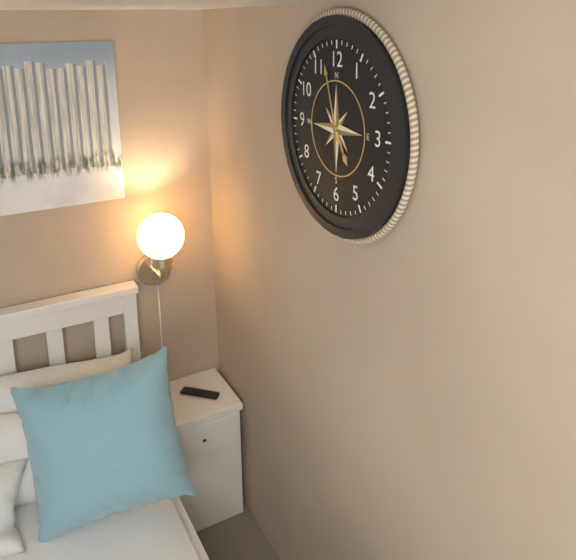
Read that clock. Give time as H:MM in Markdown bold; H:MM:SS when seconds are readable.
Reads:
**4:57**
